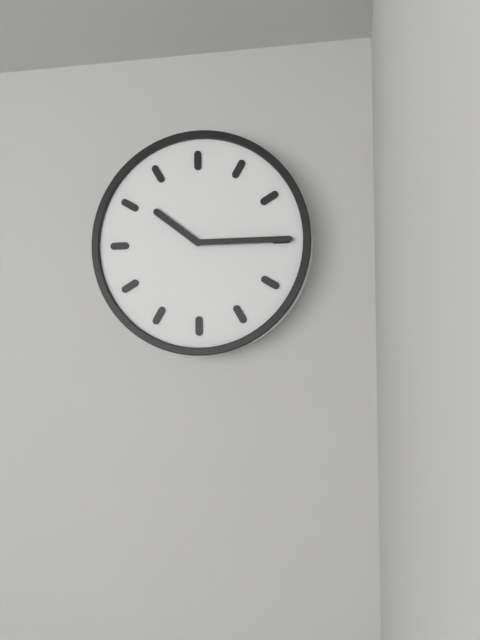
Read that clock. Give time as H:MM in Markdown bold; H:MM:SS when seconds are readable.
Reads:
**10:15**
